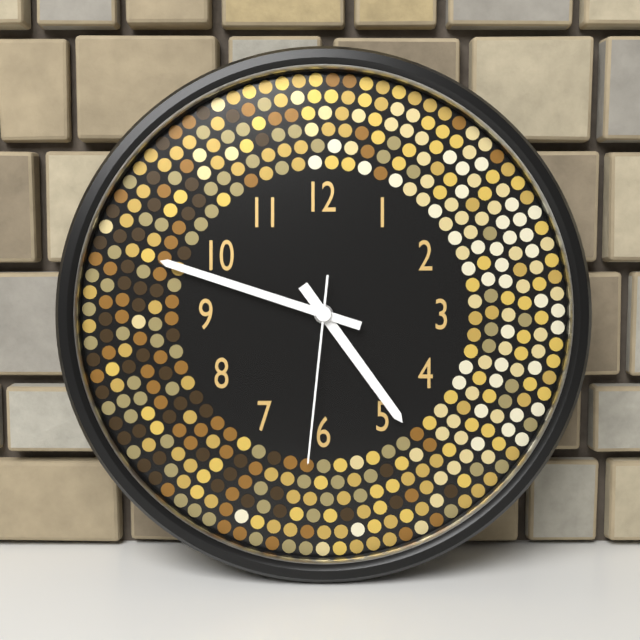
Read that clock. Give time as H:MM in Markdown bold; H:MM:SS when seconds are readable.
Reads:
**4:48:31**
